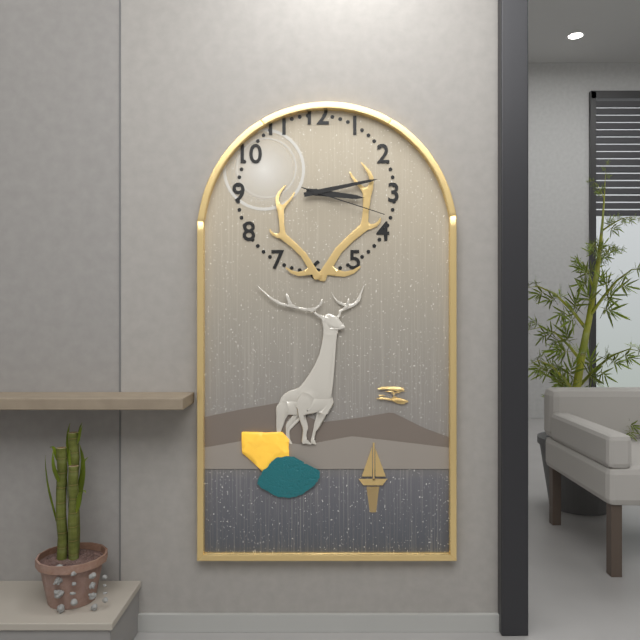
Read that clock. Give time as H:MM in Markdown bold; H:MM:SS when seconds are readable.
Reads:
**3:13:18**
